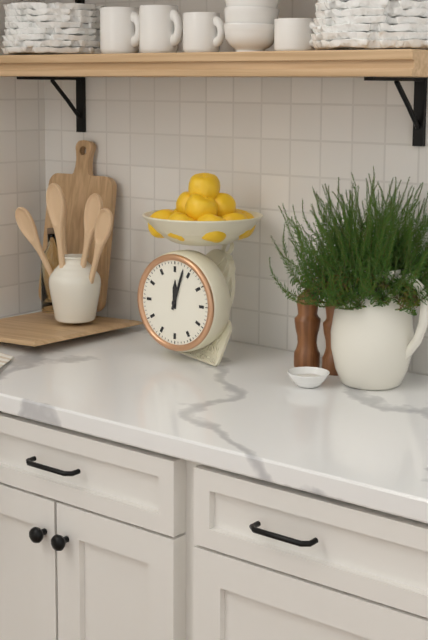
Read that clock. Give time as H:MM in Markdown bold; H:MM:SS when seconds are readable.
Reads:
**12:03**
